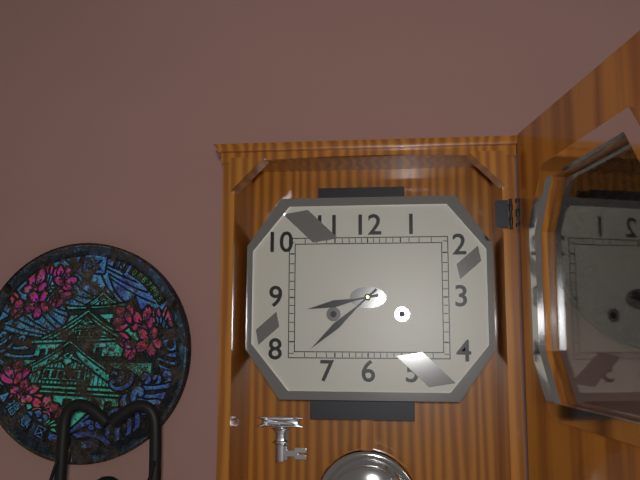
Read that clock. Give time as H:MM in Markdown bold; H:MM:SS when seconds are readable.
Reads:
**8:38**
